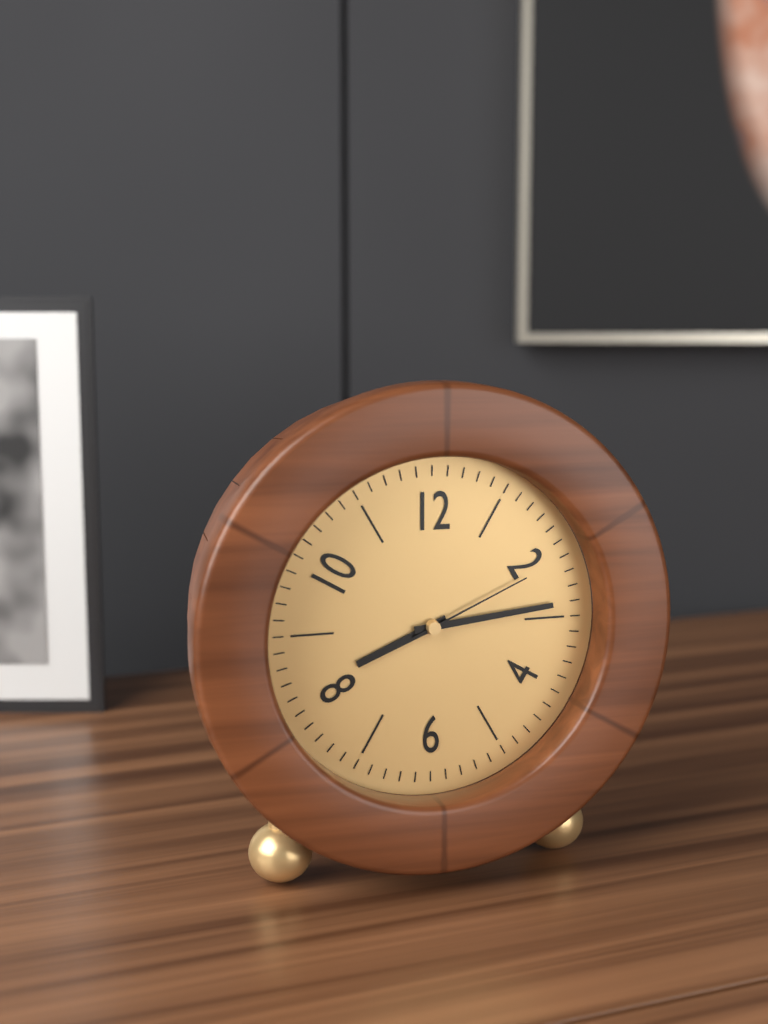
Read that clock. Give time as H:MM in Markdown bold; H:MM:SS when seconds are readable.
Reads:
**8:14:11**
